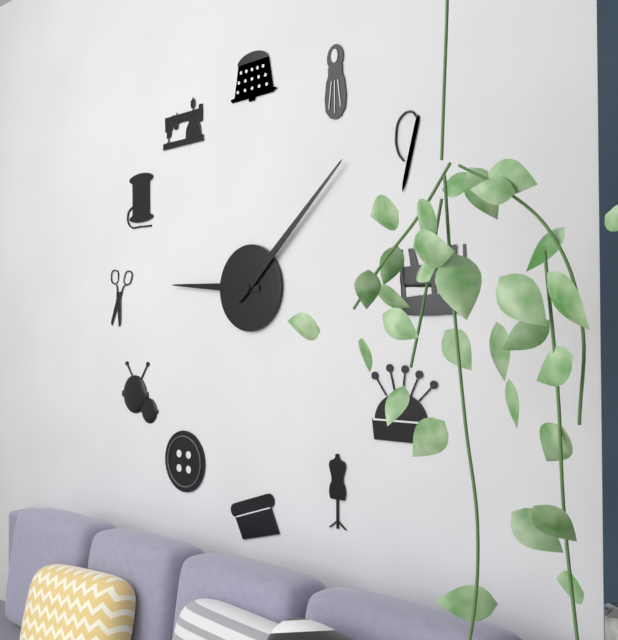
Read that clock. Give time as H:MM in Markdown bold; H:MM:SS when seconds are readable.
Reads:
**9:08**
